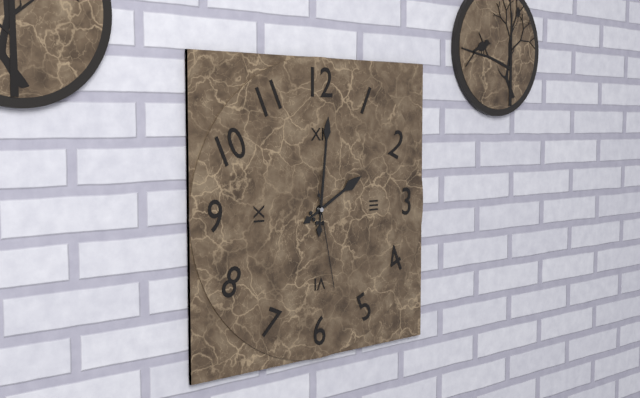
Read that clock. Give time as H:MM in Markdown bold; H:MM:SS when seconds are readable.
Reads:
**2:01:28**
